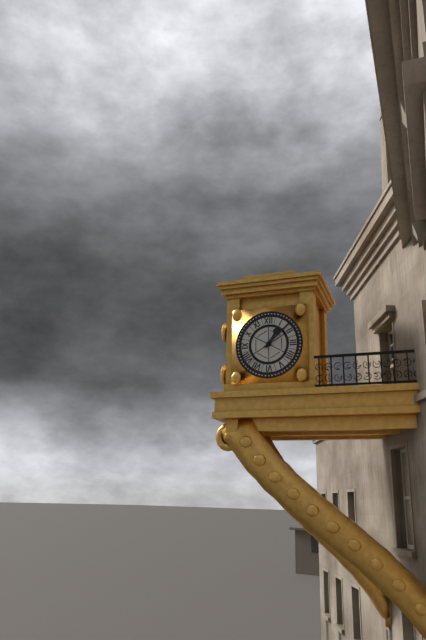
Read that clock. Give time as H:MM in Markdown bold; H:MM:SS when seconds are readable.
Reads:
**1:08**
